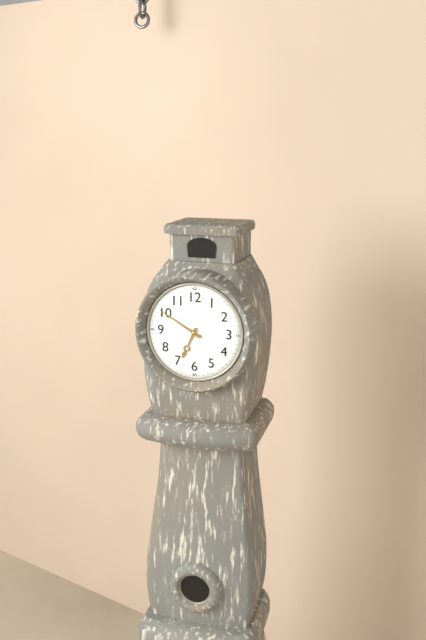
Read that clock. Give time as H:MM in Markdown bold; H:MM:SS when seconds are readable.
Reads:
**6:50**
